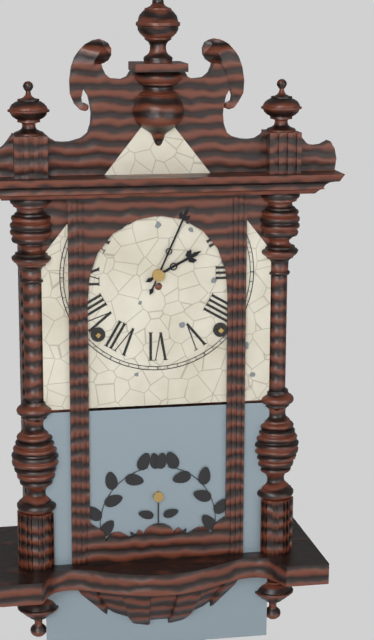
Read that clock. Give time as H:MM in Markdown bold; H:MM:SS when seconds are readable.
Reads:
**2:04**
